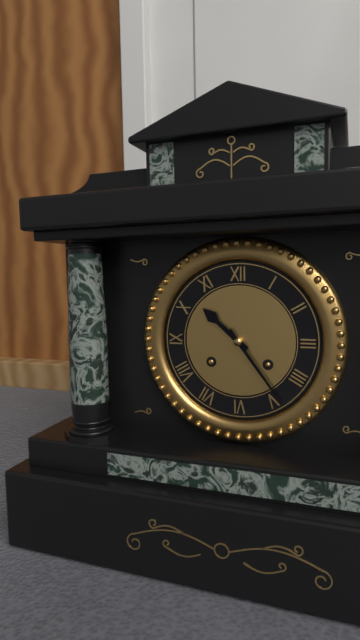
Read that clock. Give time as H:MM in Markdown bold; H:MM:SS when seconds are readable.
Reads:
**10:24**
